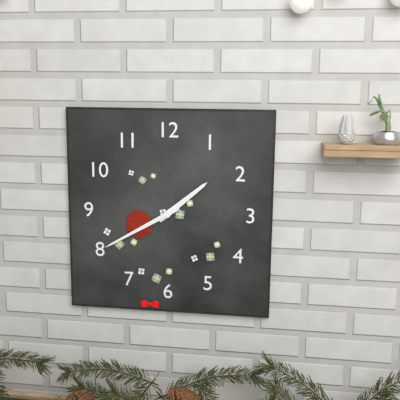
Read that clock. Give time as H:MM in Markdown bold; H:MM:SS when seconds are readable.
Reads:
**1:40**
